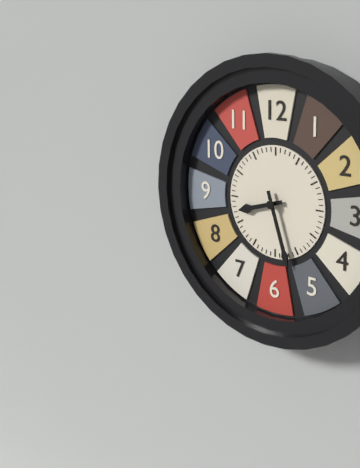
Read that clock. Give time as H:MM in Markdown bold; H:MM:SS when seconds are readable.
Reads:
**8:27**
